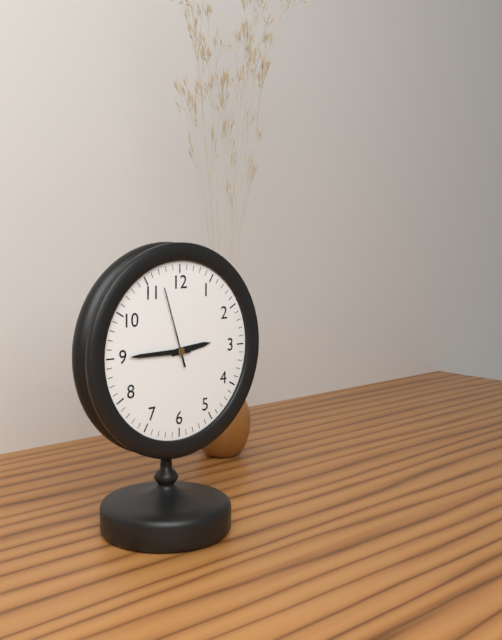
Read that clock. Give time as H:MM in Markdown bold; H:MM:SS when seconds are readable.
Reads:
**2:45:57**
